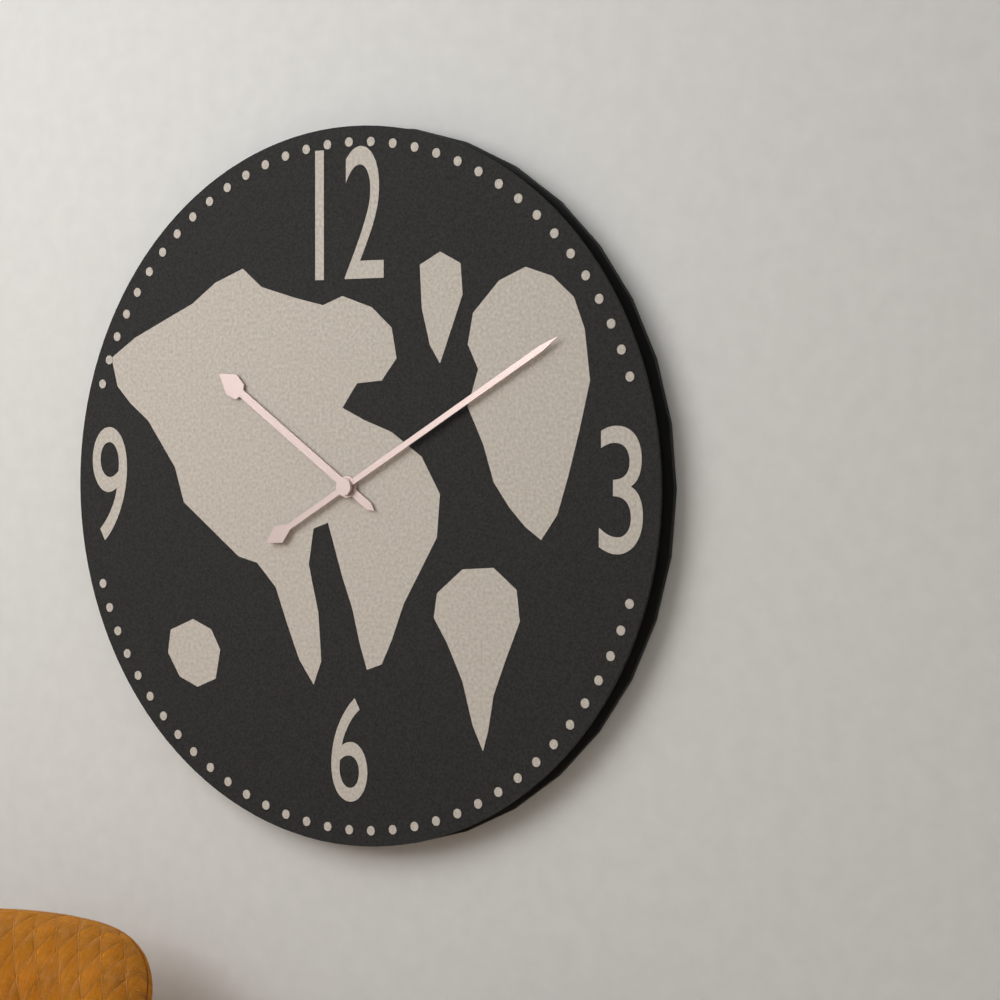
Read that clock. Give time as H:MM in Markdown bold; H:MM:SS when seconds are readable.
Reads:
**10:10**
